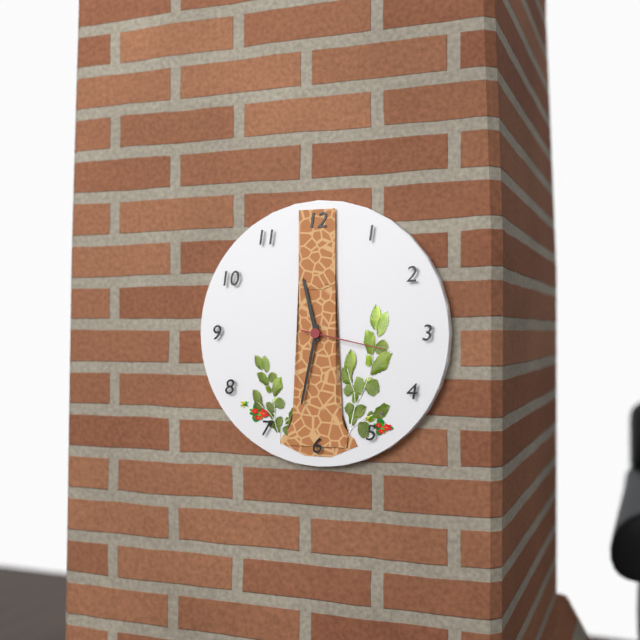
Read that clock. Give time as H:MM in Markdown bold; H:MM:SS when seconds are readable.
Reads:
**11:32:17**
